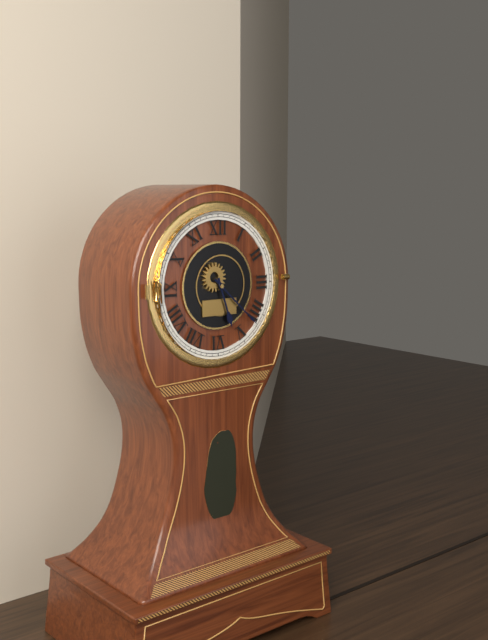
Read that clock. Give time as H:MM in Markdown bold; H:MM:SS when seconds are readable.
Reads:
**5:22**
